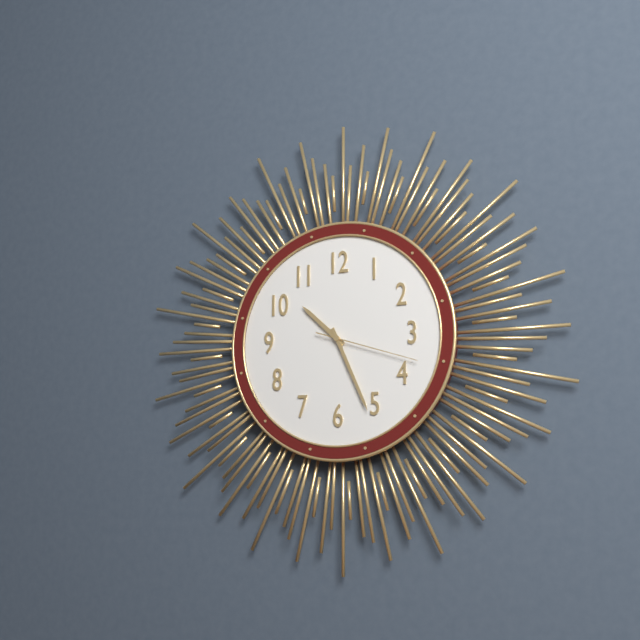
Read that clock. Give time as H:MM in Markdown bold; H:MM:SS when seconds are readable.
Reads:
**10:26:18**
